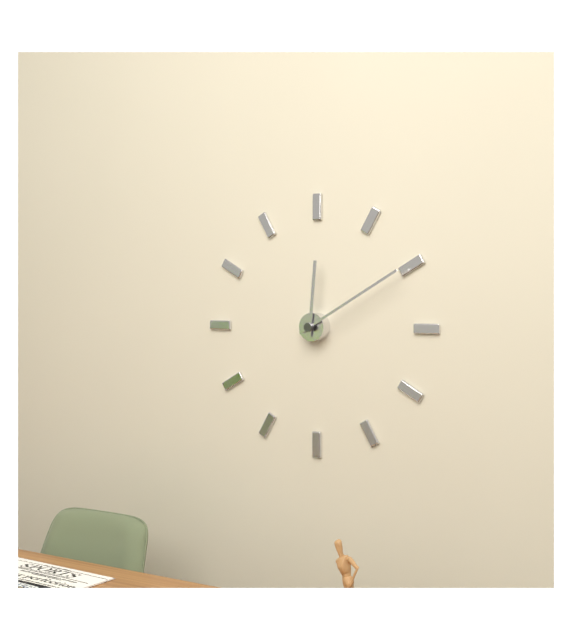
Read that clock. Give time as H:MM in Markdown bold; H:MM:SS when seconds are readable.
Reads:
**12:10**
